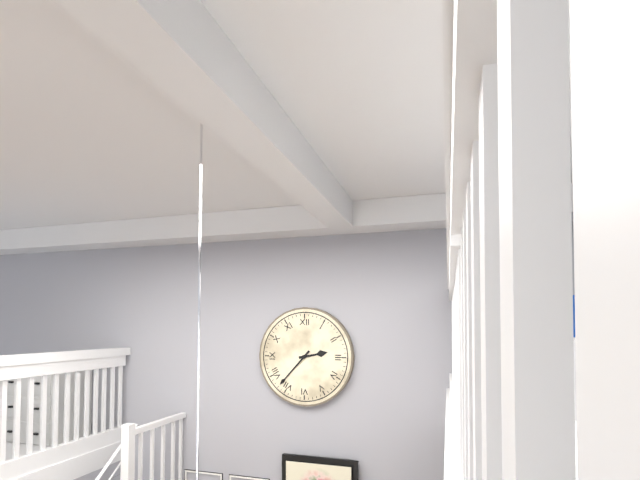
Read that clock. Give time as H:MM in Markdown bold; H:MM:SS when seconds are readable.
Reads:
**2:37**
